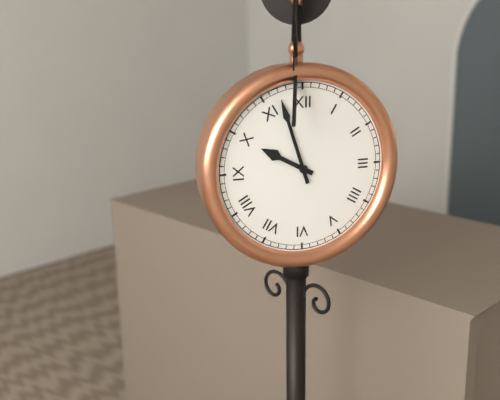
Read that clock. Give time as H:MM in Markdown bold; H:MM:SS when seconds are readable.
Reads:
**9:57**
